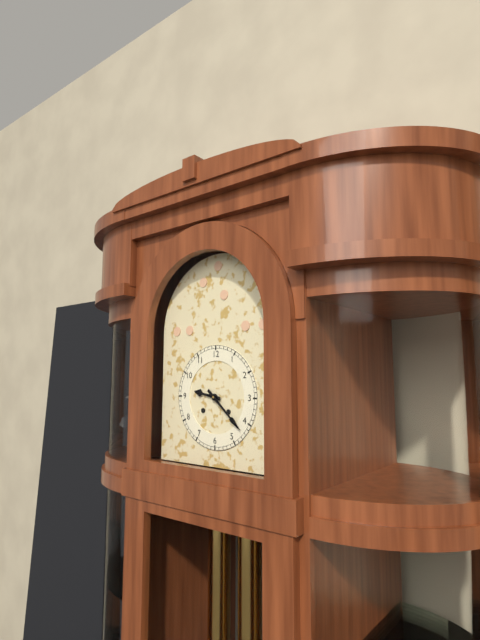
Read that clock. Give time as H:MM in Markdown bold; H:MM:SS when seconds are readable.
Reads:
**9:22**
